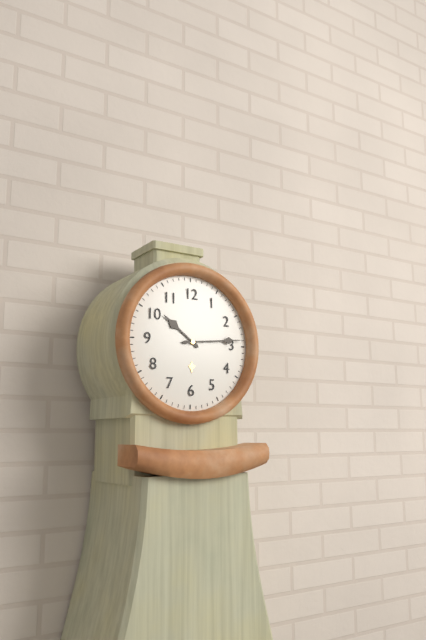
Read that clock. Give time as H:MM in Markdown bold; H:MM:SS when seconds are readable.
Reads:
**10:14**
